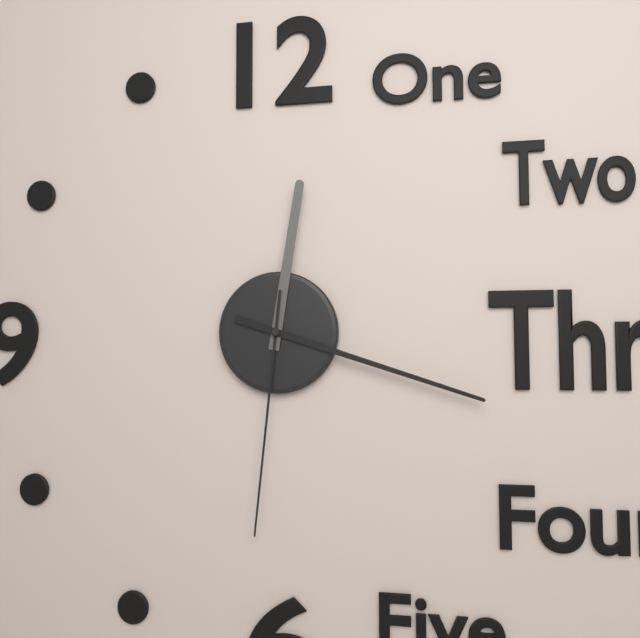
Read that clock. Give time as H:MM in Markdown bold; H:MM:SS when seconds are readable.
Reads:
**12:18:31**
